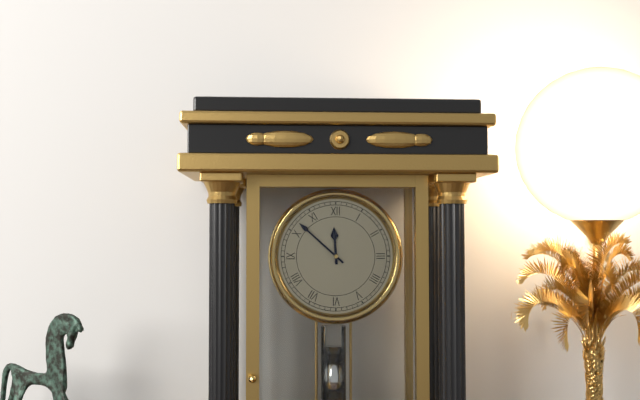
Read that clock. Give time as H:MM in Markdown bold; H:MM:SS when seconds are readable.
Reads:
**11:52**
